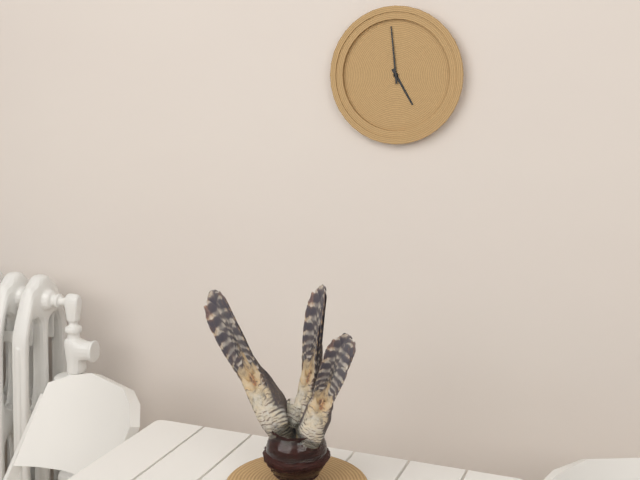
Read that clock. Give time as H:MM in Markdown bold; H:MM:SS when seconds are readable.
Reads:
**4:59**
